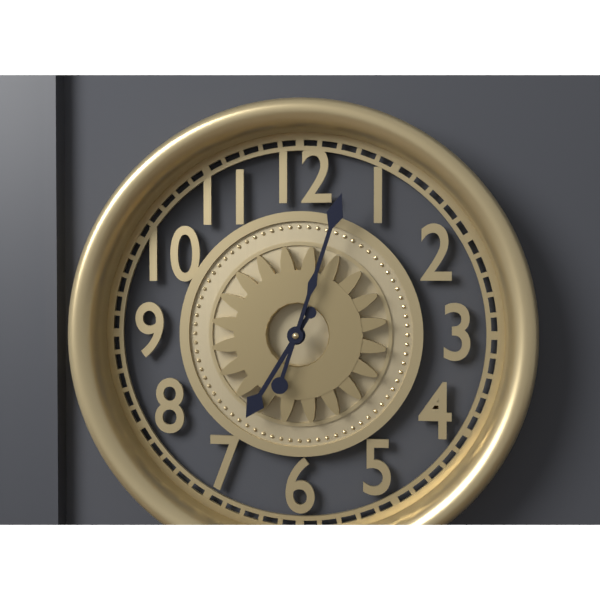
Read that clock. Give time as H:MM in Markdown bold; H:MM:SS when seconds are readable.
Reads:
**7:03**
